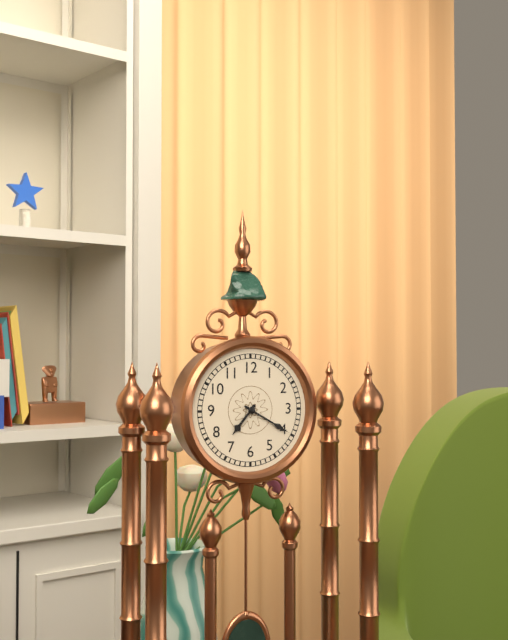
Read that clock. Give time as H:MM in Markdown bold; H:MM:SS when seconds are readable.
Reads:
**7:20**
